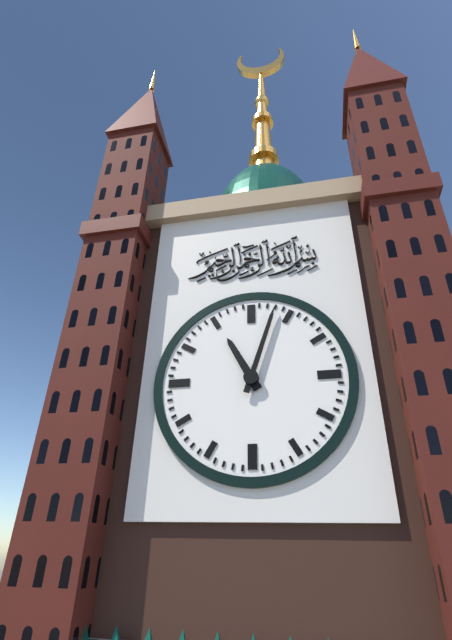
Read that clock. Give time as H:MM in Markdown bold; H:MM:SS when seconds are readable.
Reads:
**11:03**
